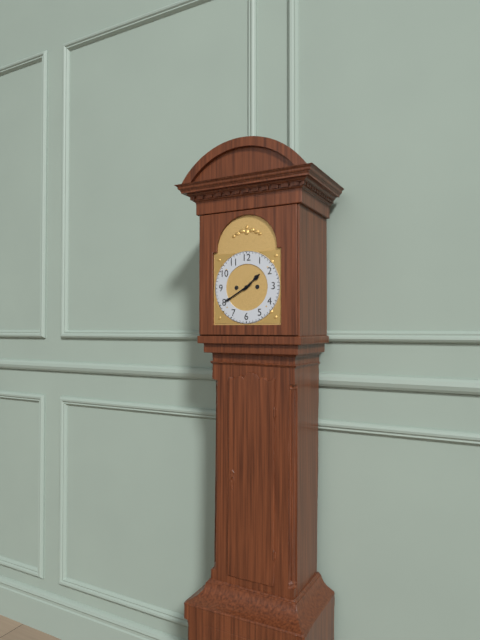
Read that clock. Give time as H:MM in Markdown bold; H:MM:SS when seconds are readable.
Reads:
**1:40**
